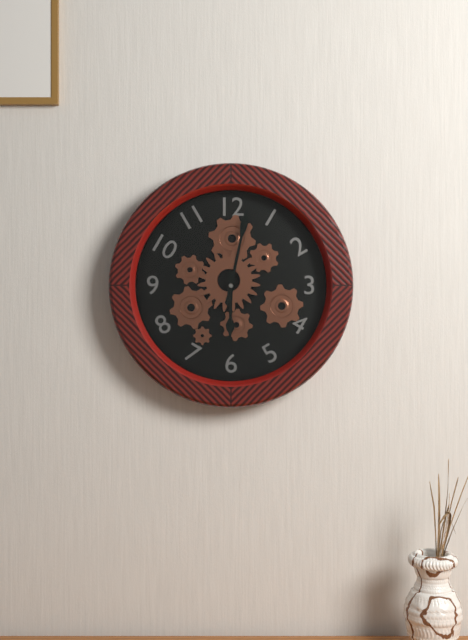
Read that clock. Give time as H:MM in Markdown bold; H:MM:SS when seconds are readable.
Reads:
**6:02**
